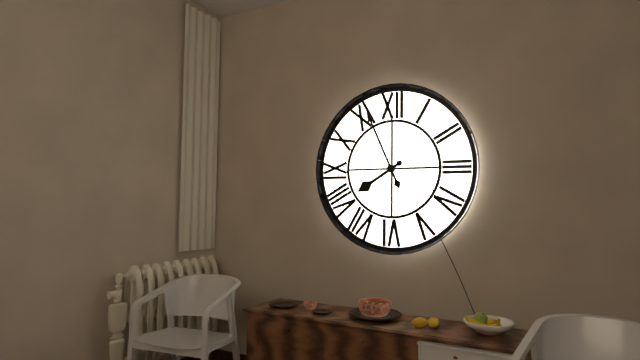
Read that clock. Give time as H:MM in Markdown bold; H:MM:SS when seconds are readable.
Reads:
**7:56**
